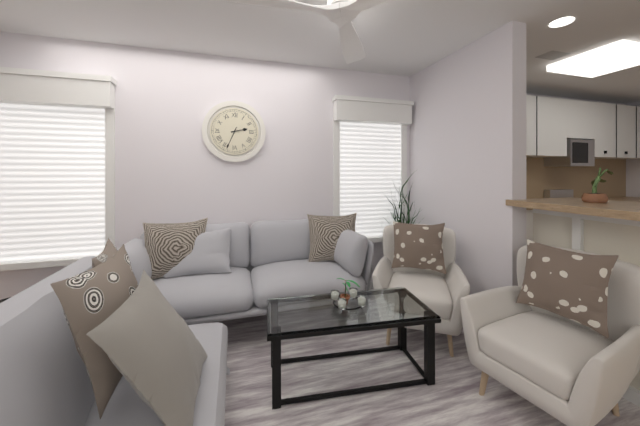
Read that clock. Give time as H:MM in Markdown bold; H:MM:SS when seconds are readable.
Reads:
**2:34**
